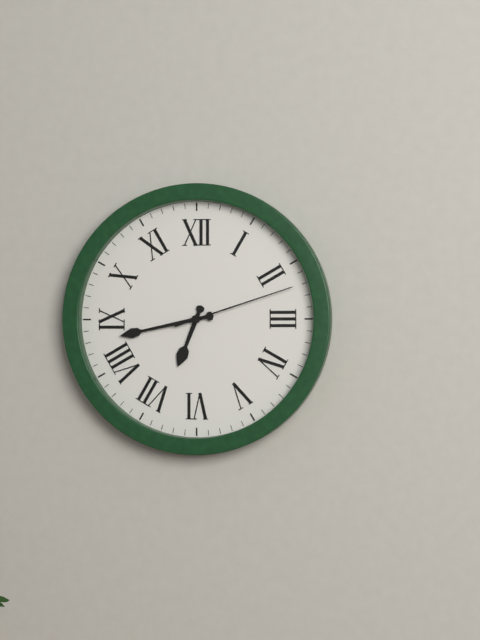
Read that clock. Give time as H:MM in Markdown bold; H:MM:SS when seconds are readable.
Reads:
**6:43:12**
